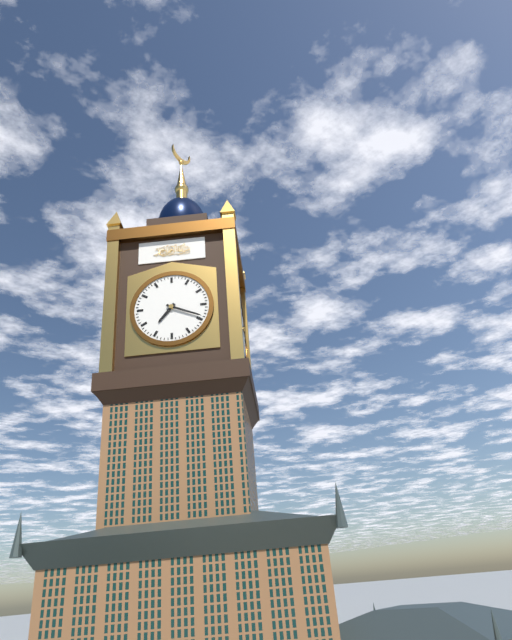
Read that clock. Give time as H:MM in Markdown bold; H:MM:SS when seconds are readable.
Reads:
**7:19**
